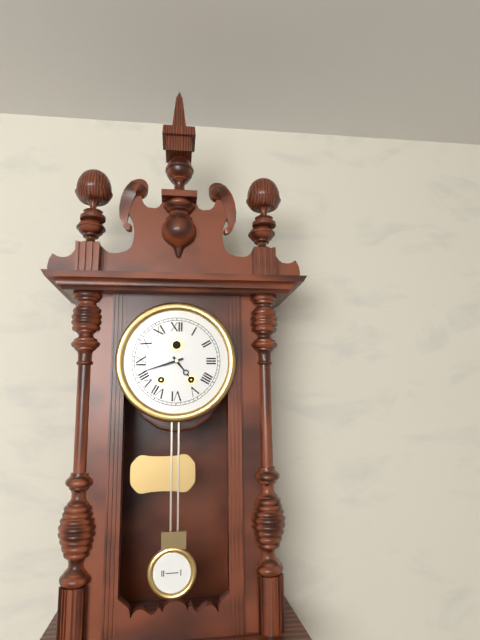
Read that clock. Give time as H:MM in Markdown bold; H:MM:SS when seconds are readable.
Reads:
**4:42**
